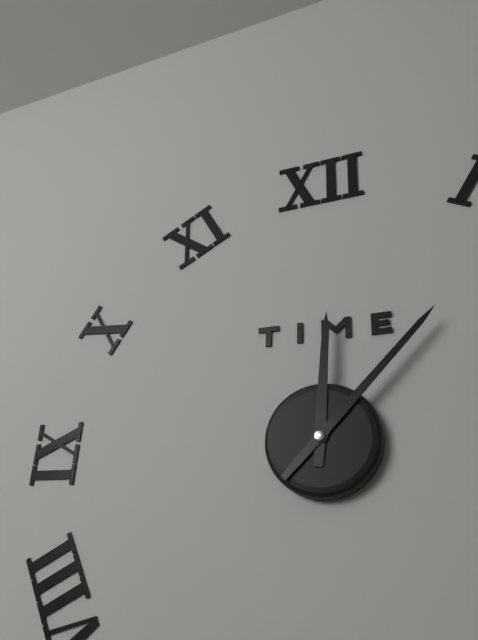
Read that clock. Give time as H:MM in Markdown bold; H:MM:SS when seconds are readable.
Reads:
**12:07**
